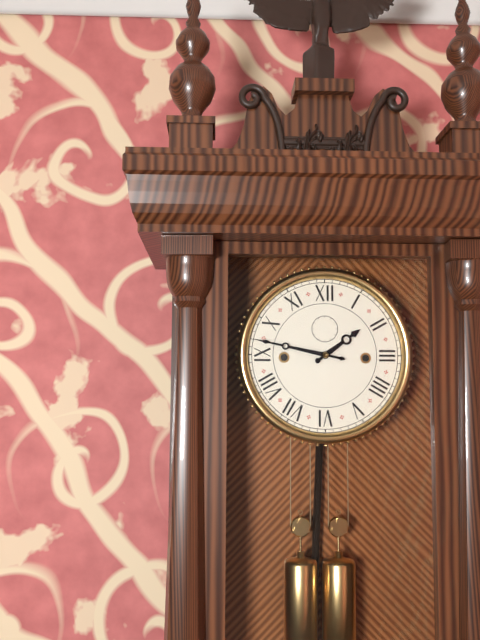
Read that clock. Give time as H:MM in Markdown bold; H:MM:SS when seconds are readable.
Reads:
**1:47**
